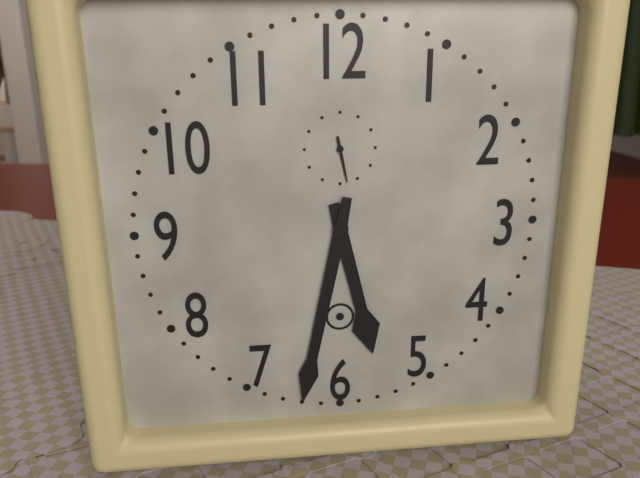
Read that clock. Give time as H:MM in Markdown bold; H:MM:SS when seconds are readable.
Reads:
**5:32**
